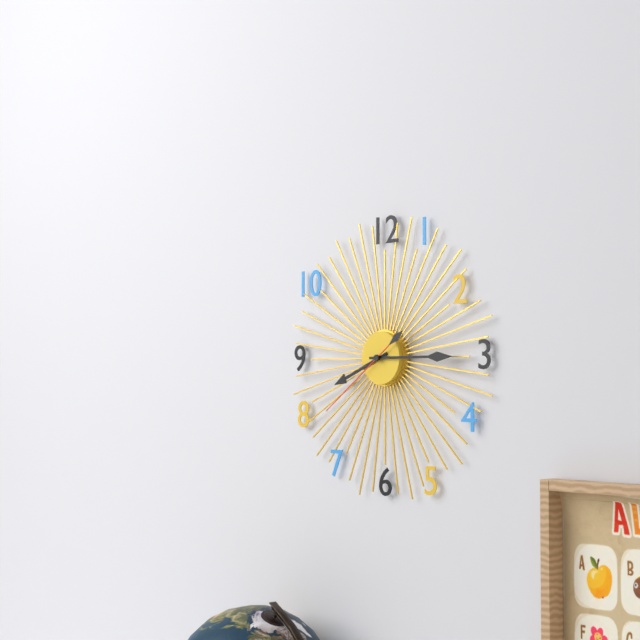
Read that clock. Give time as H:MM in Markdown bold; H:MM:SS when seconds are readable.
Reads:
**8:15:39**
